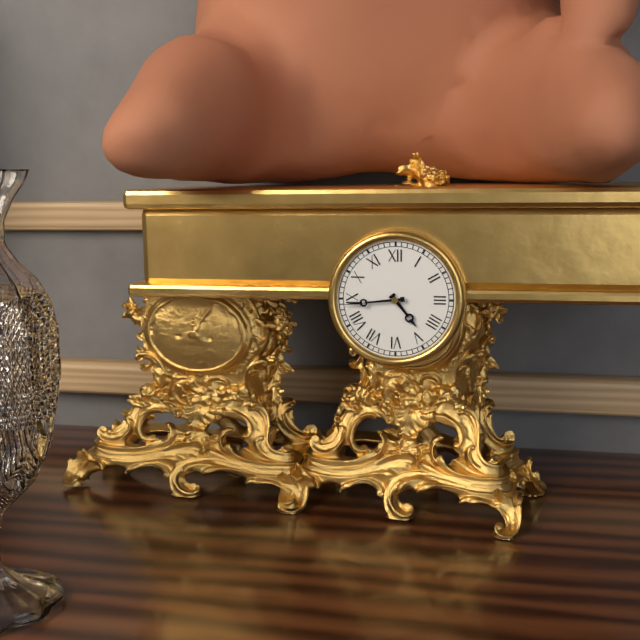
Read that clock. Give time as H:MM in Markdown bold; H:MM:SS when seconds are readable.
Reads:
**4:44**
